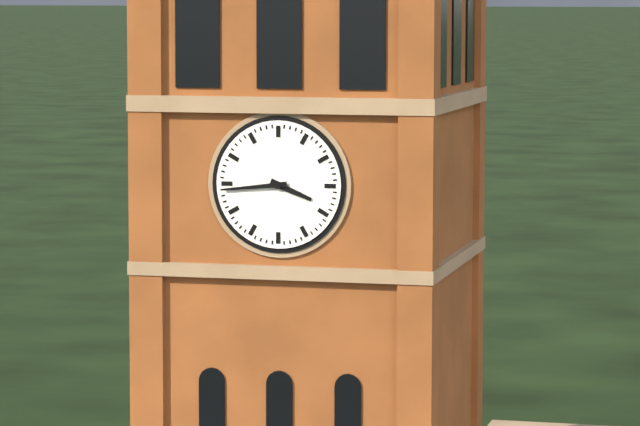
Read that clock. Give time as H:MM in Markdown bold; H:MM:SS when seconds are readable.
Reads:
**3:44**
